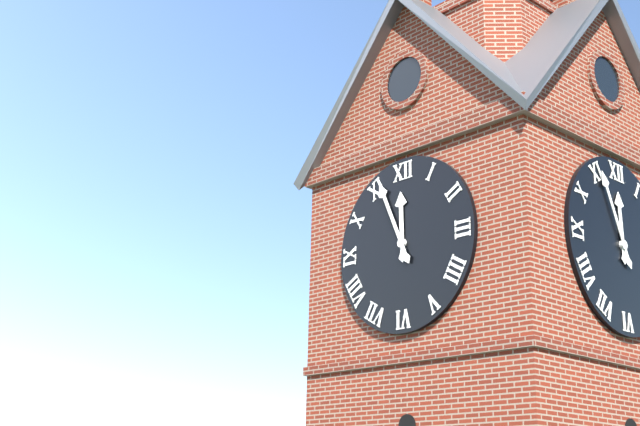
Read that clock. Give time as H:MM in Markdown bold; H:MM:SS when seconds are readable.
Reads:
**11:56**
